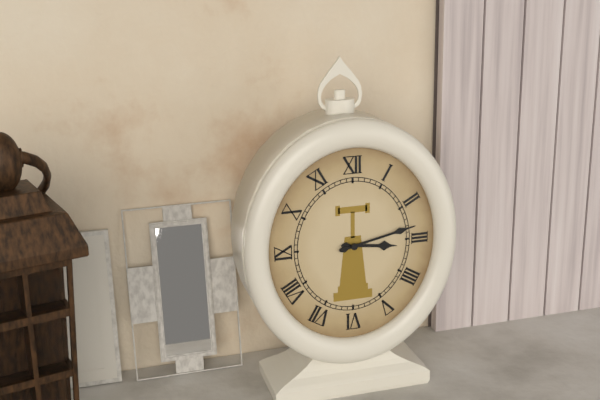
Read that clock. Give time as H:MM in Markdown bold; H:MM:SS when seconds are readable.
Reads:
**3:13**
